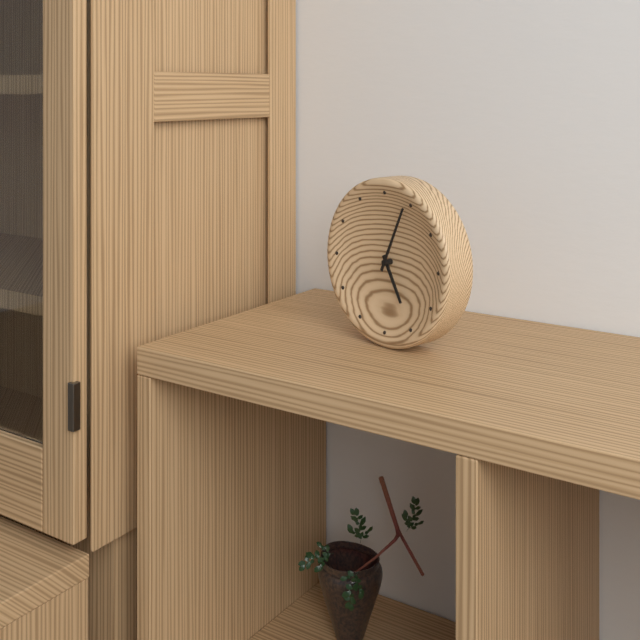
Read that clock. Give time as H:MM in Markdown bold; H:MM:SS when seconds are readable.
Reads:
**5:04**
